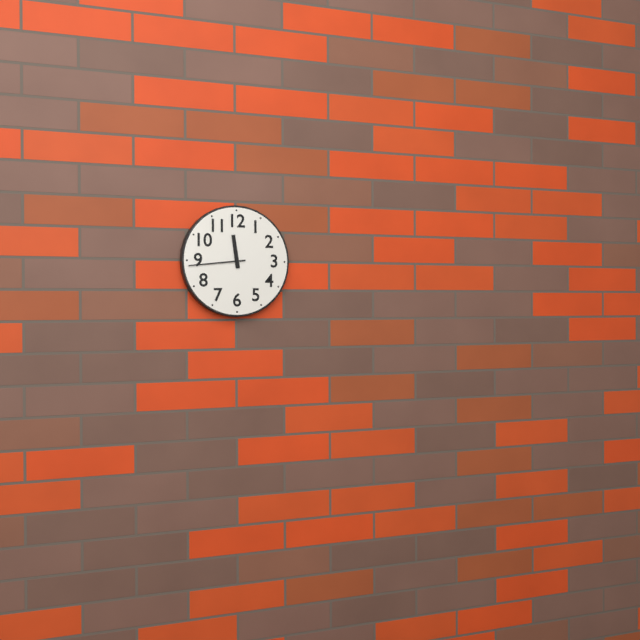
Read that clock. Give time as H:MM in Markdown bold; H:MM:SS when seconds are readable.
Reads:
**11:44**
